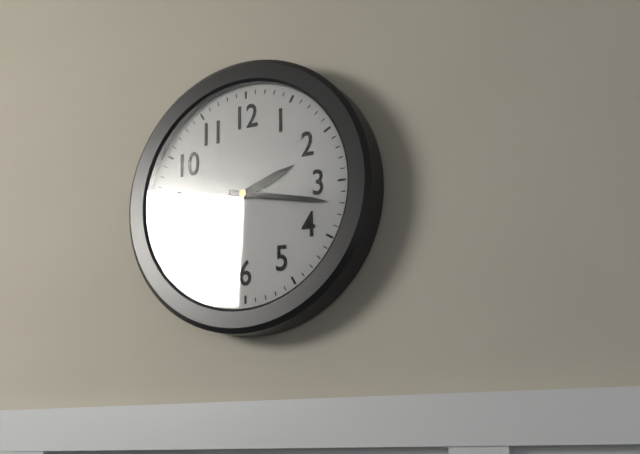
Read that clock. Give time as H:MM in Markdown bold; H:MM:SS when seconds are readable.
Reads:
**2:17**
